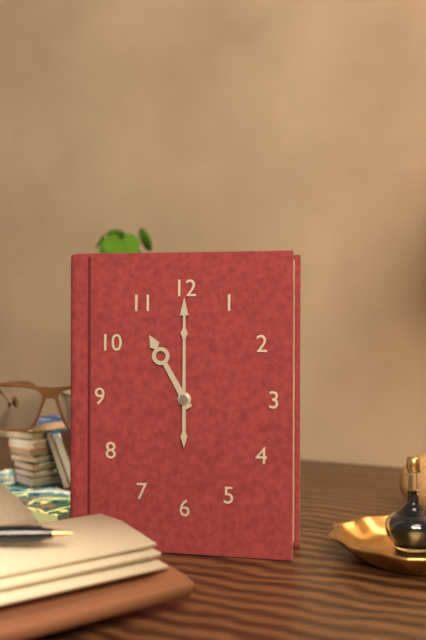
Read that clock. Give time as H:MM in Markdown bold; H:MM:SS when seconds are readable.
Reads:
**11:00**
